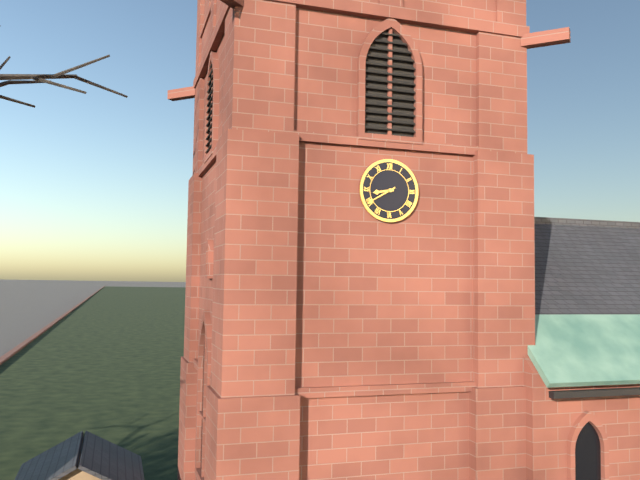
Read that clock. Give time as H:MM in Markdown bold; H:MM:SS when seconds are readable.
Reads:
**8:40**
